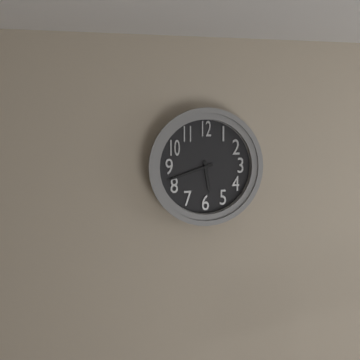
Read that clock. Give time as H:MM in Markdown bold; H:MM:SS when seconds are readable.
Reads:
**5:42**
